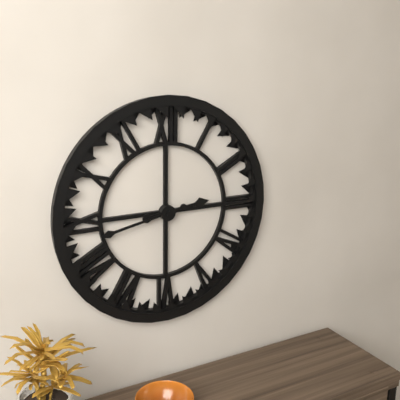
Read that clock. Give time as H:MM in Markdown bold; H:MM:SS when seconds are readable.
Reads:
**2:43**
